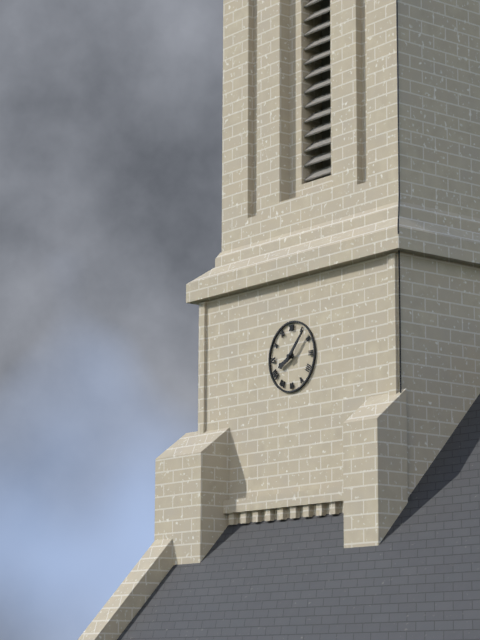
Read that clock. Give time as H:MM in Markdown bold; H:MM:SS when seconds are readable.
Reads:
**8:07**
